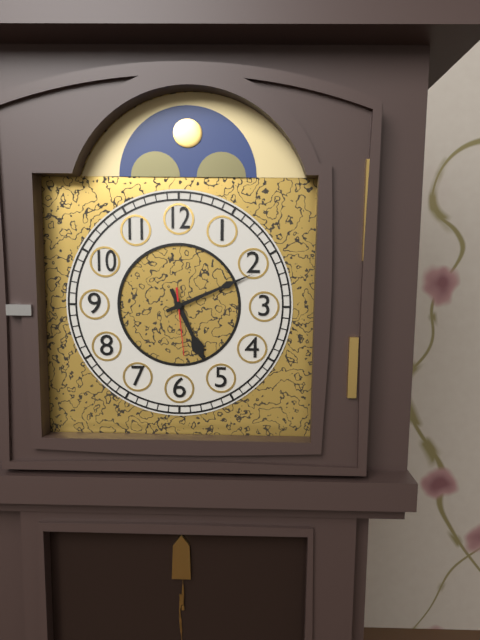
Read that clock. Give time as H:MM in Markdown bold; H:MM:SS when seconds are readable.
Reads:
**5:11:29**
